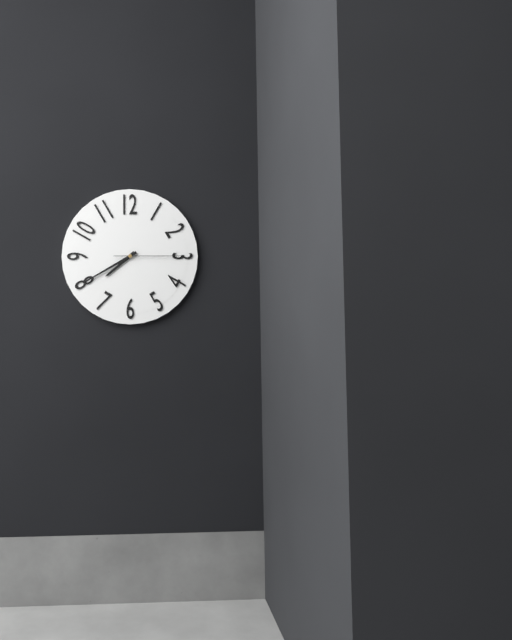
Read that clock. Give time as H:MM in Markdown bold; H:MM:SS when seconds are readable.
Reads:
**7:40:15**
